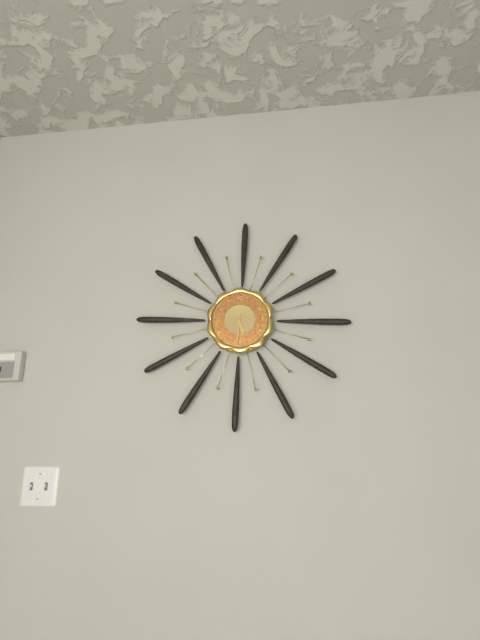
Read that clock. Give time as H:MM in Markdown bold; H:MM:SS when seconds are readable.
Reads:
**5:31**
